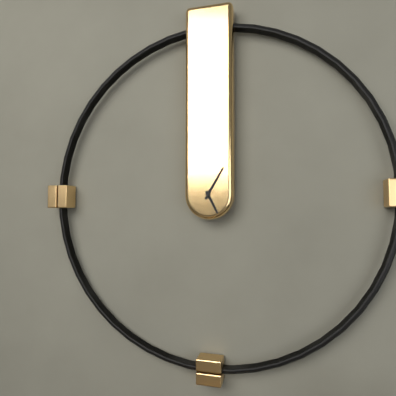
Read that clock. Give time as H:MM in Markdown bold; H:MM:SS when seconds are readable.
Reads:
**5:05**
